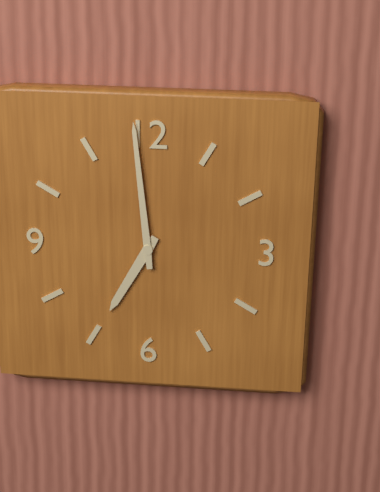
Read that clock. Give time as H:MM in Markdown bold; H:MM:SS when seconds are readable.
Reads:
**6:59**
